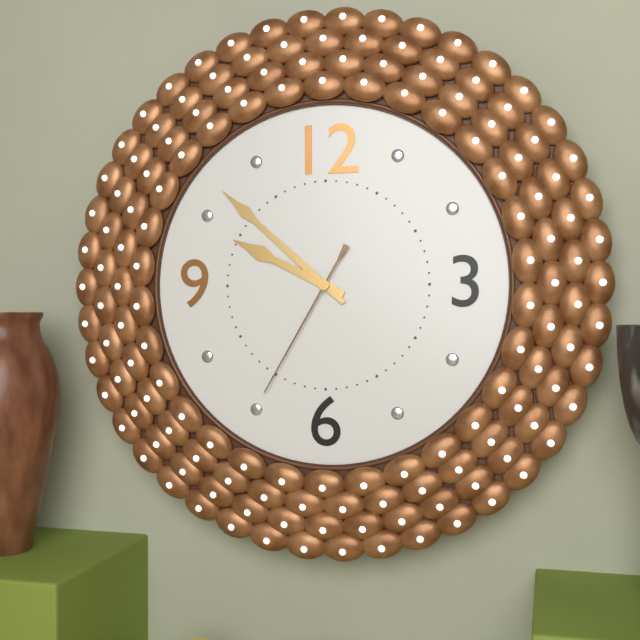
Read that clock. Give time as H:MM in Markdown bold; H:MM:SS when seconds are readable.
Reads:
**9:52:35**
